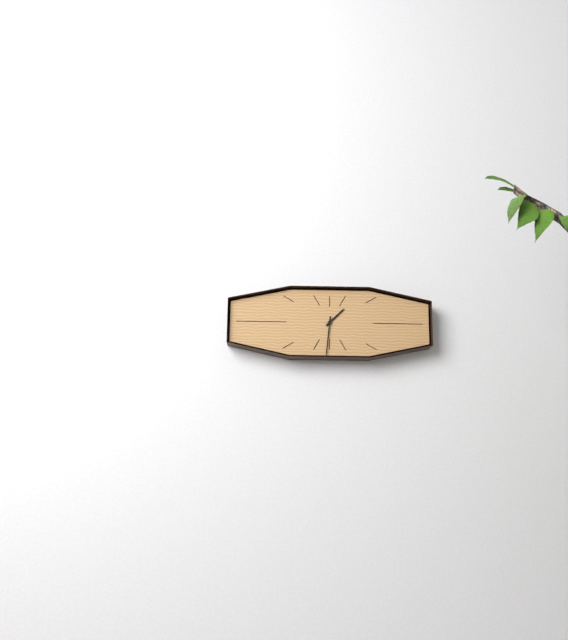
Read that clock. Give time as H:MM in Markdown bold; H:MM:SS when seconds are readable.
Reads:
**1:31**
